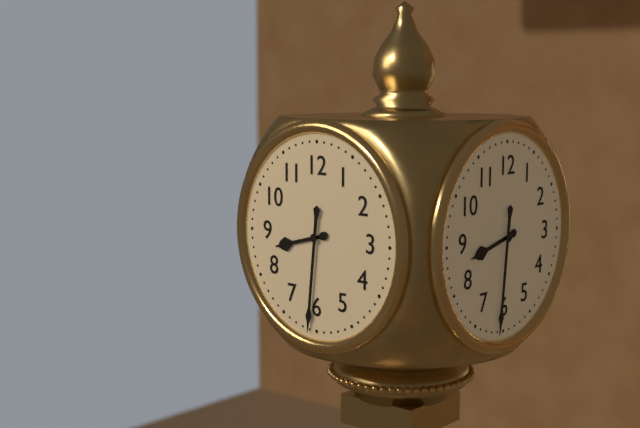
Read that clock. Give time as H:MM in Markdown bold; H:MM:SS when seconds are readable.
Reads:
**8:31**
